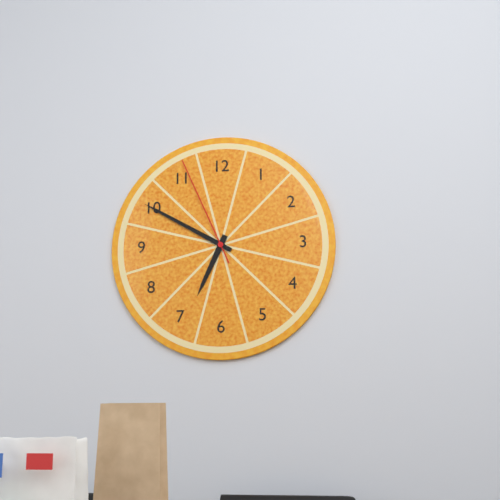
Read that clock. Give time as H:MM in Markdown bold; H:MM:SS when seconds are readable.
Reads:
**6:50:56**
